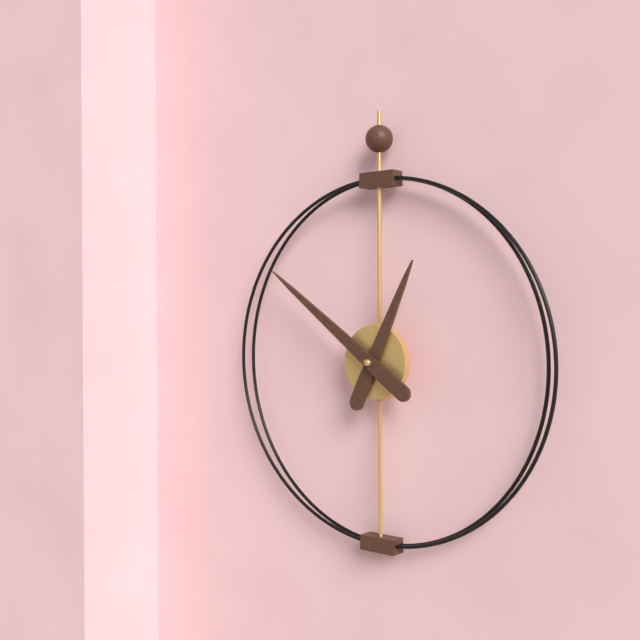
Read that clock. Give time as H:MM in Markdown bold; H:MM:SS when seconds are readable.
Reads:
**12:51**
